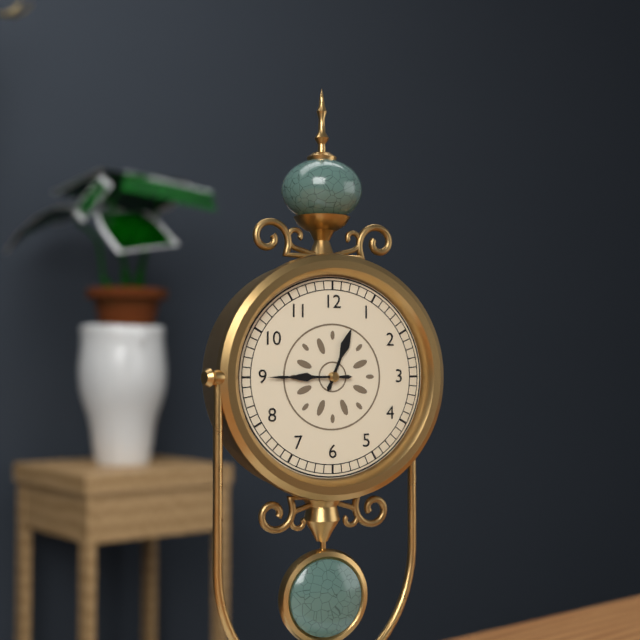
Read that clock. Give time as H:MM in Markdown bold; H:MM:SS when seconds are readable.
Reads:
**12:45**
